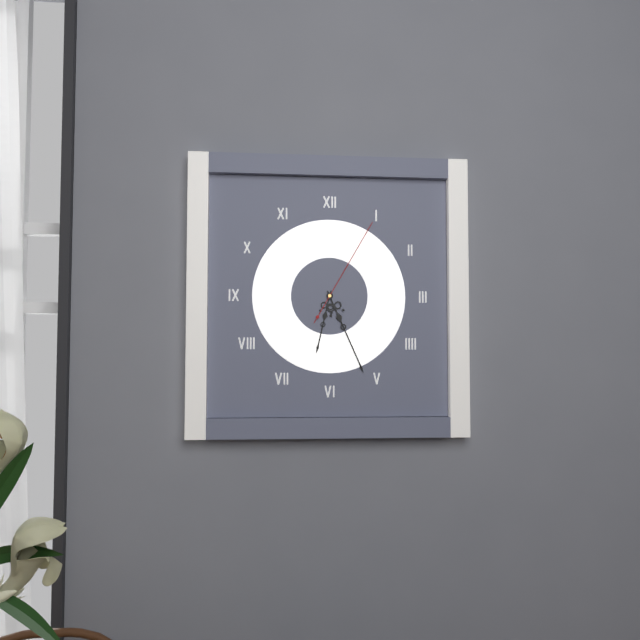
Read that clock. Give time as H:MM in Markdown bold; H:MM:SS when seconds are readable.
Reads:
**6:26:05**
